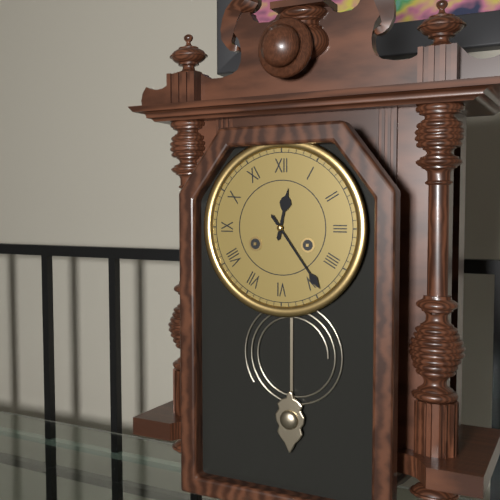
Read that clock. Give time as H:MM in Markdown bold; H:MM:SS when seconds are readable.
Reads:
**12:24**
